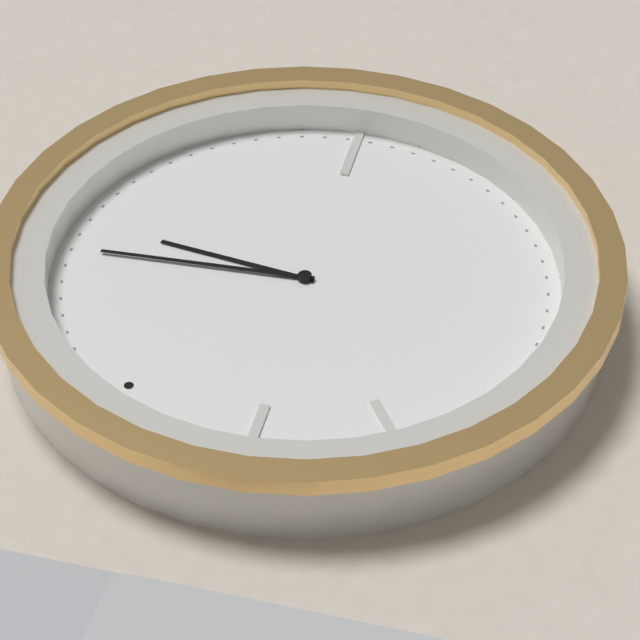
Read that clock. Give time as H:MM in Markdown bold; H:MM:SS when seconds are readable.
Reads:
**2:09**
